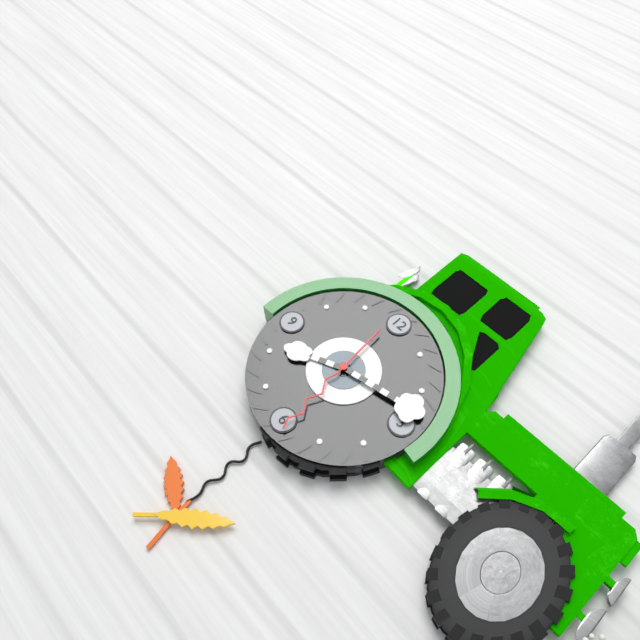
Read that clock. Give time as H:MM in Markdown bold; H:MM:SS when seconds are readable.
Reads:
**8:13:29**
